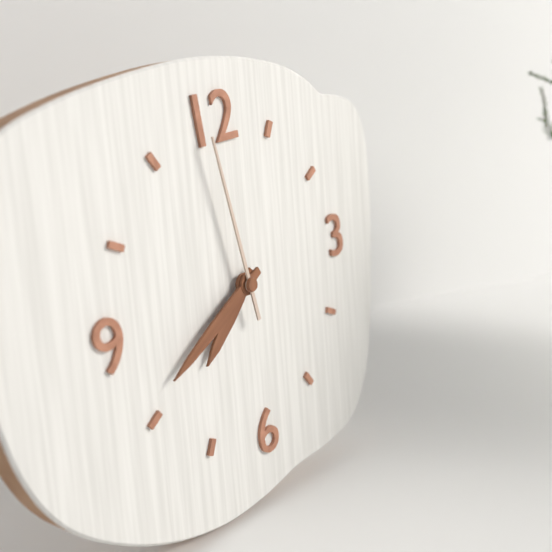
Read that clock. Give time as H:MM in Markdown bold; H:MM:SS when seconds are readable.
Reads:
**7:41:59**
